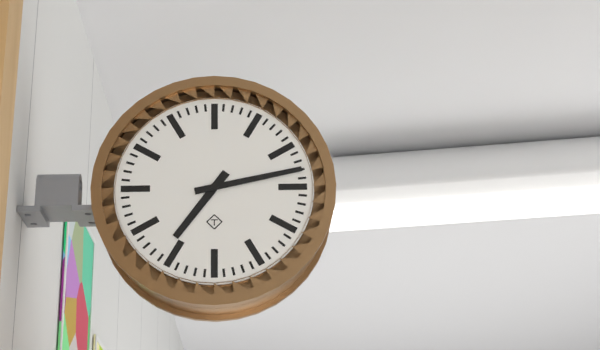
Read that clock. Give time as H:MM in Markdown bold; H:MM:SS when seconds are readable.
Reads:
**7:13**
